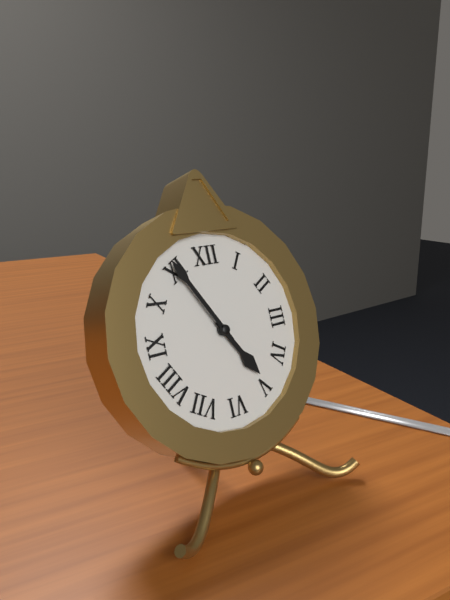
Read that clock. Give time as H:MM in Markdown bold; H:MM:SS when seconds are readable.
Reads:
**4:55**
